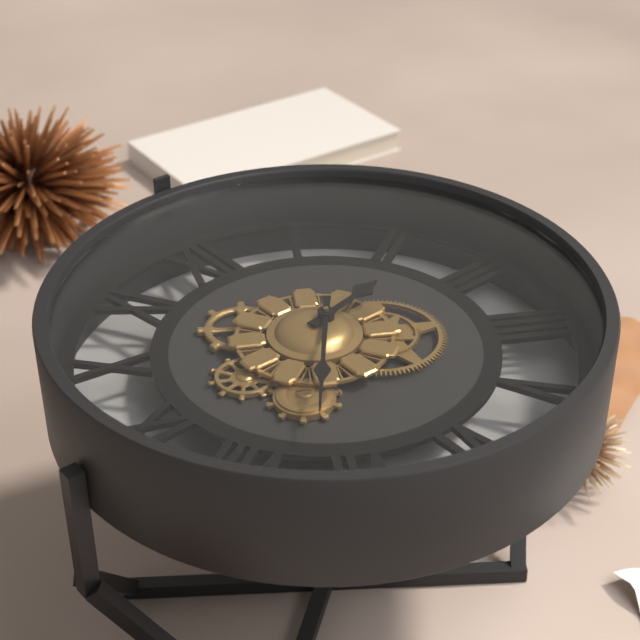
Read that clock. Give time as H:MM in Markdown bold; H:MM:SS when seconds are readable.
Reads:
**2:37**
